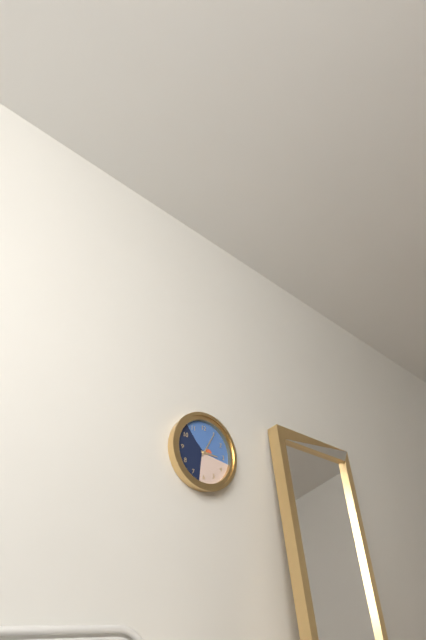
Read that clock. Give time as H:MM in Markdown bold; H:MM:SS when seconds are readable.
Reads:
**3:05**
